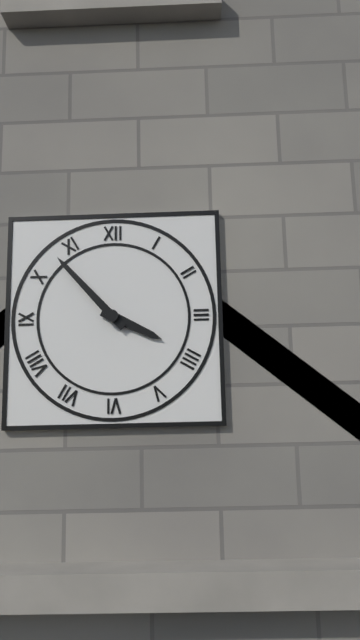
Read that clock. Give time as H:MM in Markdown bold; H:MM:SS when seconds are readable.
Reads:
**3:53**
